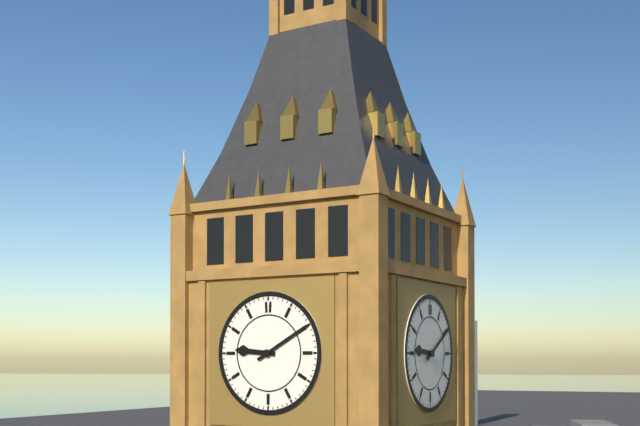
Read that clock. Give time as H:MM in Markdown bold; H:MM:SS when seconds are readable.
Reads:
**9:10**
